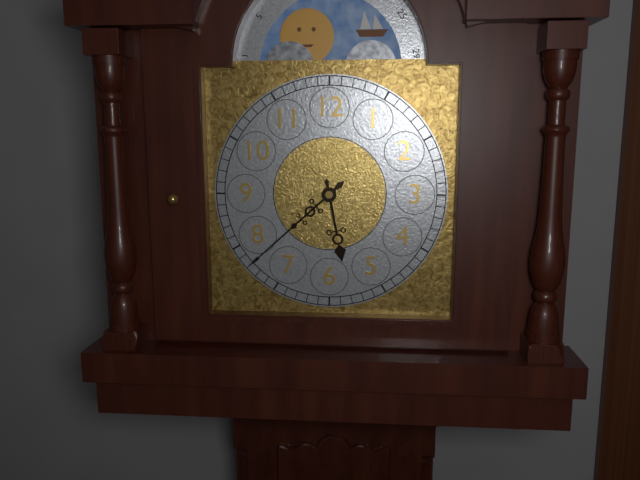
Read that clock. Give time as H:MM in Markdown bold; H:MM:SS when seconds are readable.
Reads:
**5:38**
